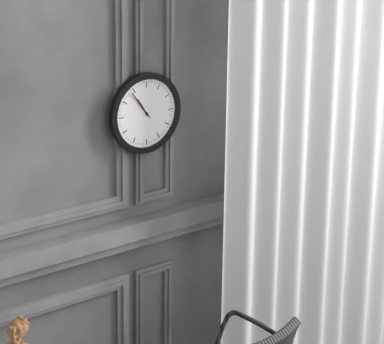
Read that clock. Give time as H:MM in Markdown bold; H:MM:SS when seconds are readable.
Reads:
**10:54**
